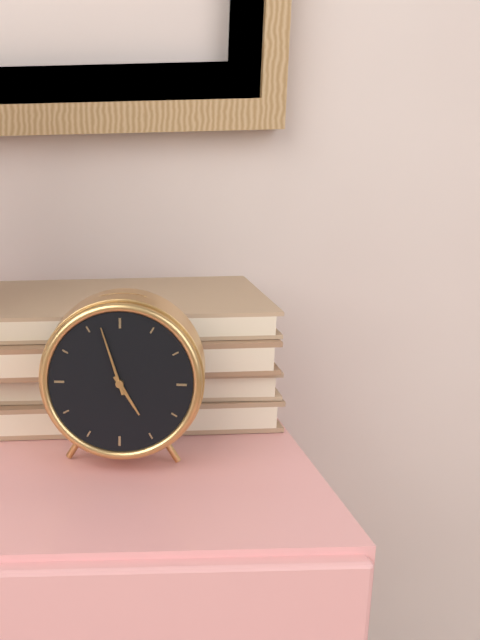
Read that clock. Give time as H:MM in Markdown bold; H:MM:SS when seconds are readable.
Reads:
**4:57**
